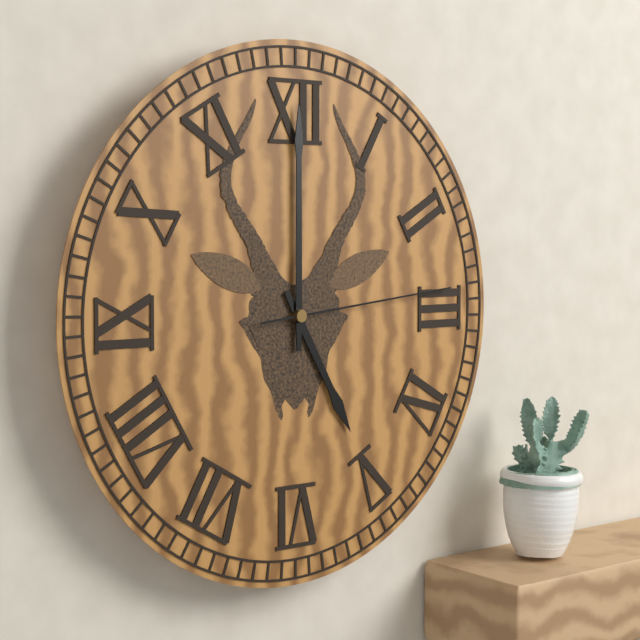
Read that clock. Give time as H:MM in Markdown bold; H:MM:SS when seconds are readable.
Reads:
**5:00:14**
